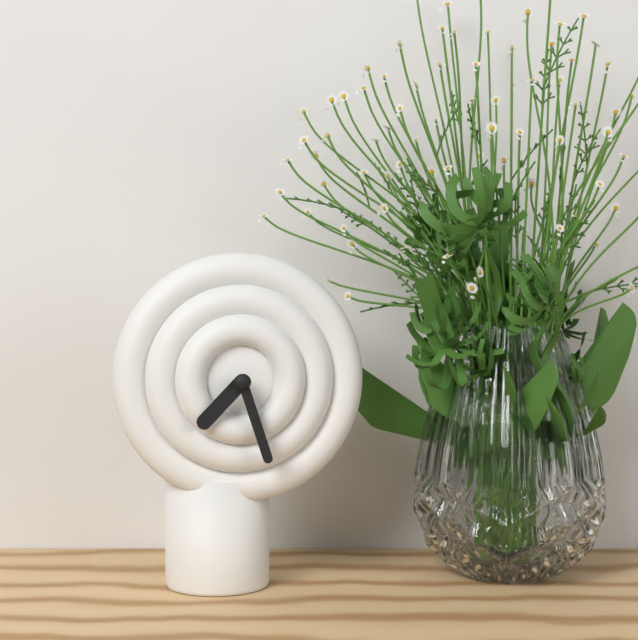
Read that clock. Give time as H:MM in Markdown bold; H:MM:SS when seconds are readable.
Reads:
**7:27**
